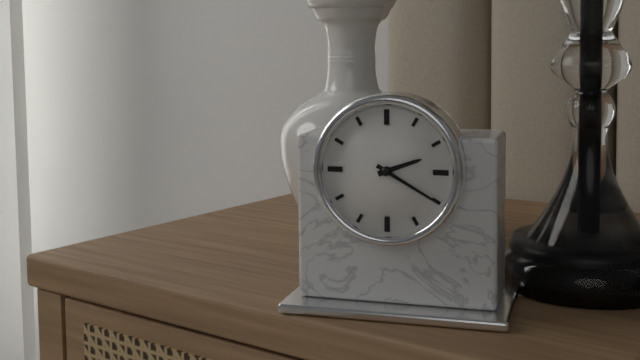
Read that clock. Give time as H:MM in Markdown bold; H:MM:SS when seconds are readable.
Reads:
**2:20**
